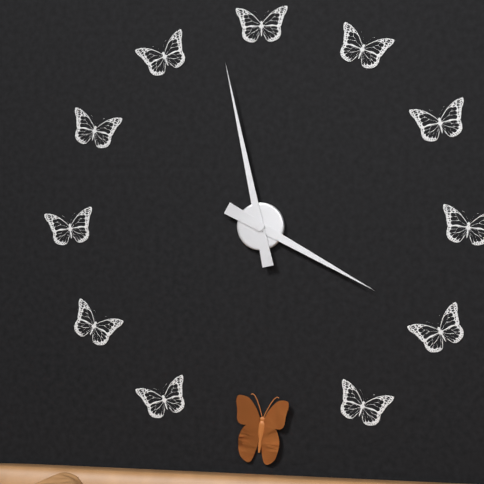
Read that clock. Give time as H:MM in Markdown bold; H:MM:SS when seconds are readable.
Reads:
**3:58**
